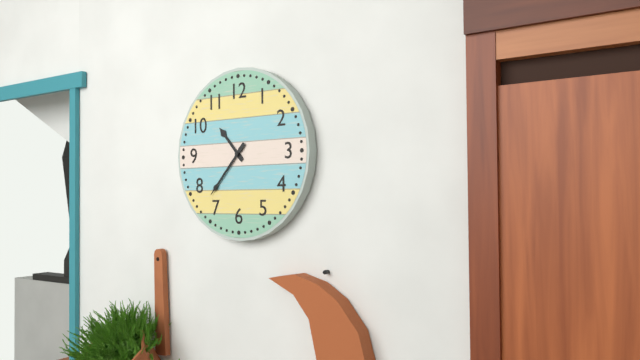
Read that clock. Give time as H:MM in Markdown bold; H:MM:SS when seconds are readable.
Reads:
**10:37**
